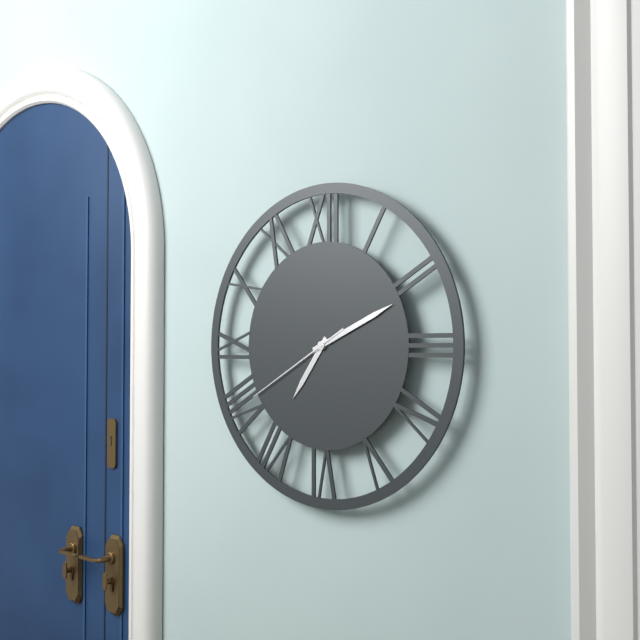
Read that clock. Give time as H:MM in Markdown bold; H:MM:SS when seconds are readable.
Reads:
**7:11:40**
